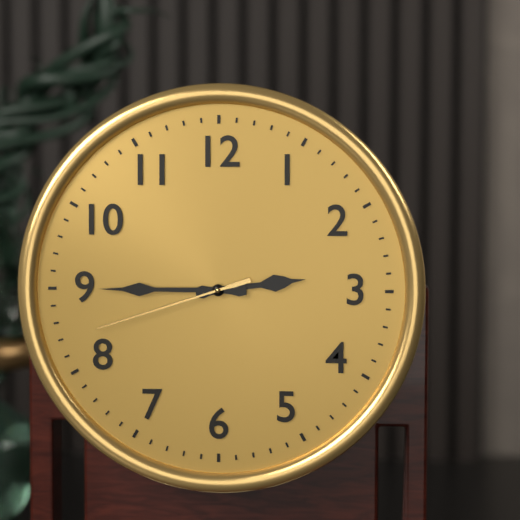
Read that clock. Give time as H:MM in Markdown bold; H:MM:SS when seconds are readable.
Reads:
**2:45:42**
